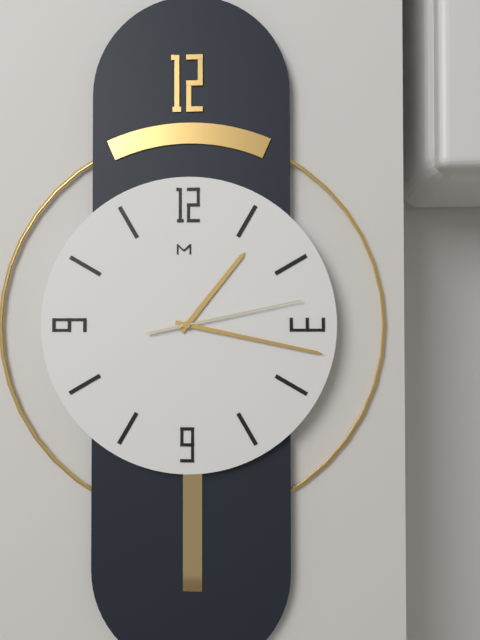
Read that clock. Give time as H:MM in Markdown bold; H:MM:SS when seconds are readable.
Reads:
**1:17:13**
